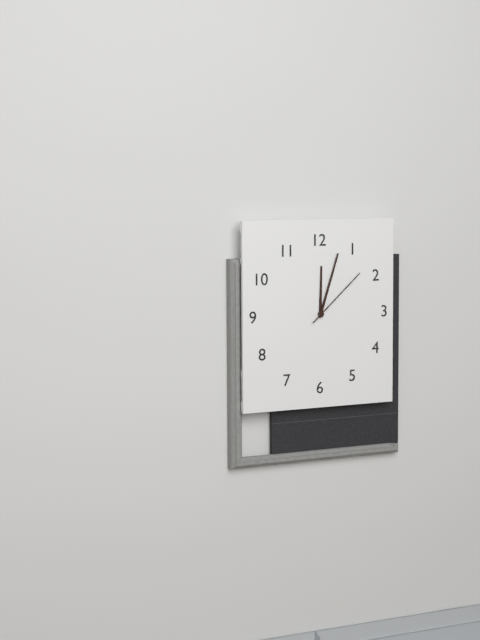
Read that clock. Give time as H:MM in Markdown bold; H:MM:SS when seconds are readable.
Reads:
**12:03:08**
